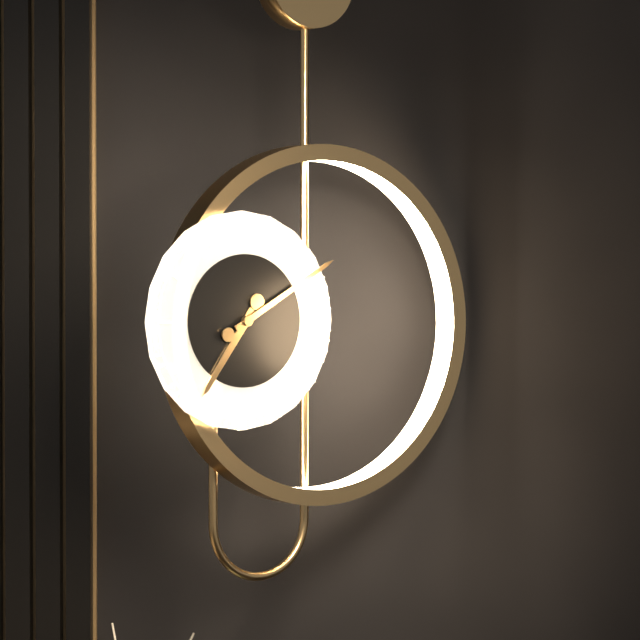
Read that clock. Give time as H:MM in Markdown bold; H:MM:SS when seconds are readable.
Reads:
**7:10**
